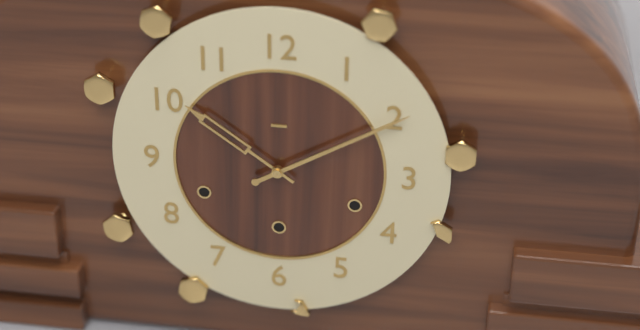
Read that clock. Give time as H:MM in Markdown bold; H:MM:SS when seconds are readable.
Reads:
**10:10**
